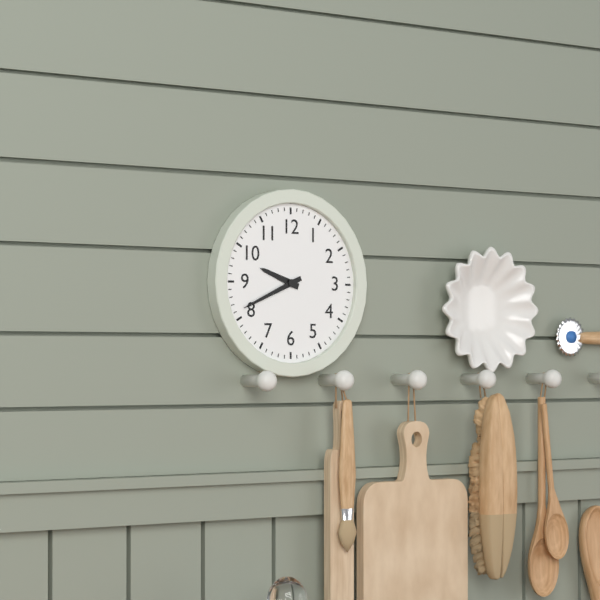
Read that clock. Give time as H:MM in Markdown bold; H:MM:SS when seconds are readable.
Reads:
**9:41**
